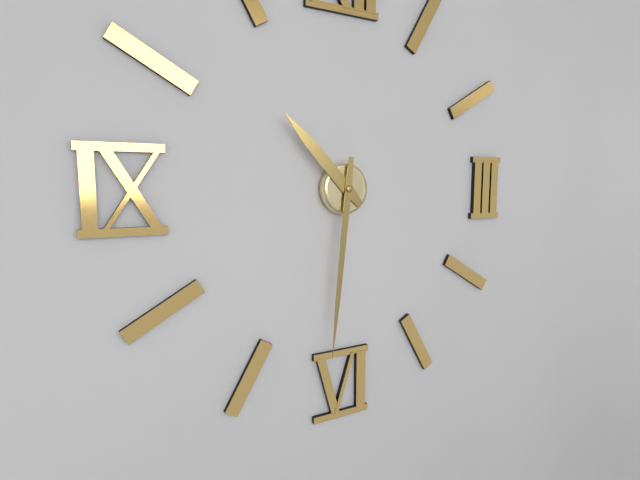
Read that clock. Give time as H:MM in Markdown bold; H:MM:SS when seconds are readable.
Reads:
**10:31**
